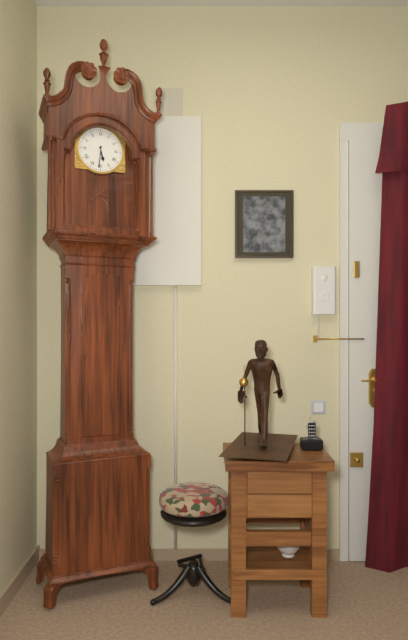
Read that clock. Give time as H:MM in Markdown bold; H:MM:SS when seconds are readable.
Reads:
**5:31**
